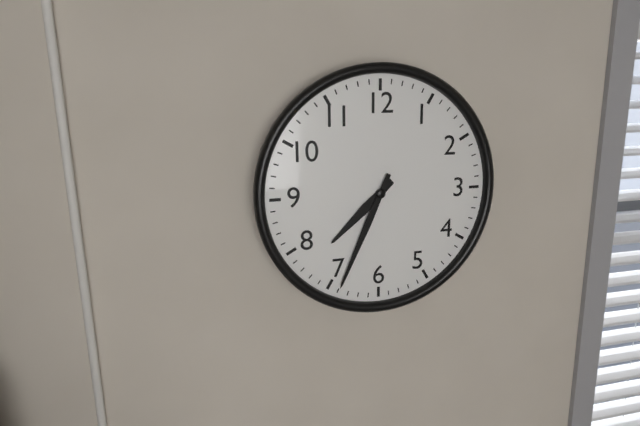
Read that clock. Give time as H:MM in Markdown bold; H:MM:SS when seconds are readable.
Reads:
**7:34**
